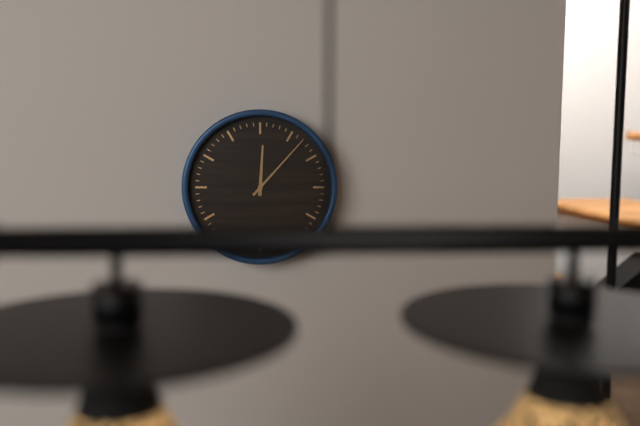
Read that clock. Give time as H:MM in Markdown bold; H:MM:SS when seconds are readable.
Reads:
**12:07**
